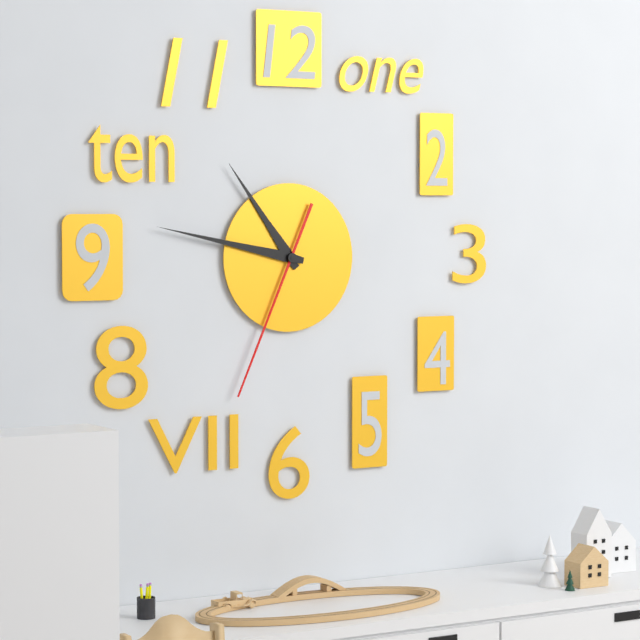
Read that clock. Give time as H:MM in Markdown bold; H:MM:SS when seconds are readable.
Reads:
**10:47:34**
